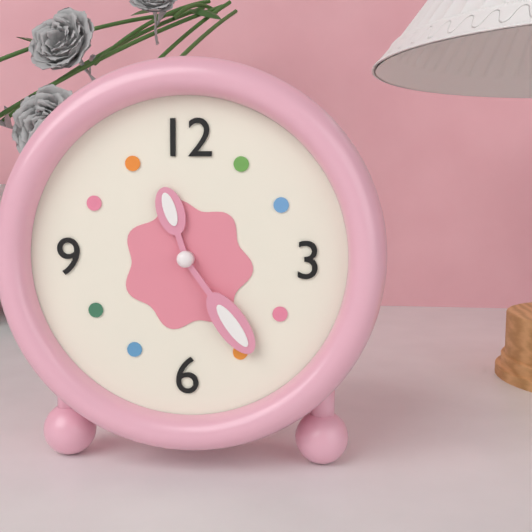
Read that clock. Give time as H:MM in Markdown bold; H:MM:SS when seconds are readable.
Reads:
**11:24**
